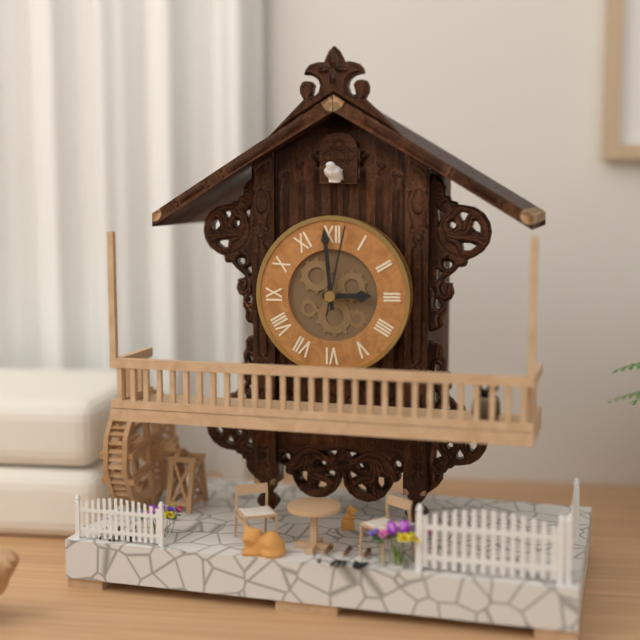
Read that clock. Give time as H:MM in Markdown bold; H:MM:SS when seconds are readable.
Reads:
**2:59:02**
